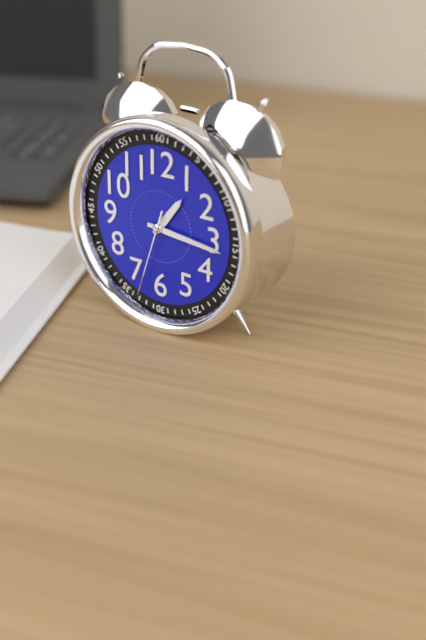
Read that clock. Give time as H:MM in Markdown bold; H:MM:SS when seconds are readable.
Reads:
**1:16:33**
